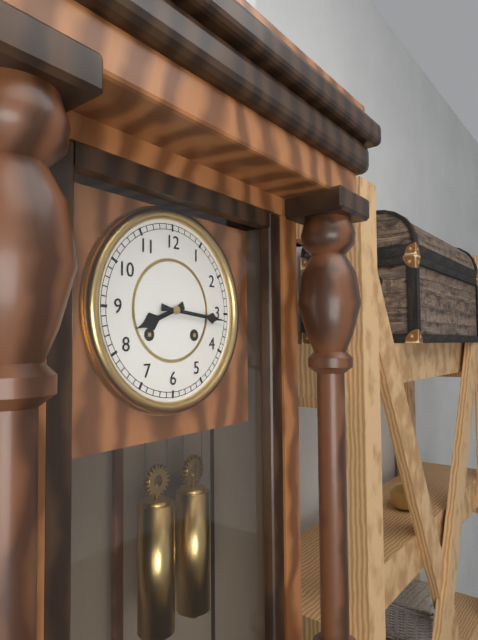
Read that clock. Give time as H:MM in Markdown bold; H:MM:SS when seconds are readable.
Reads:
**8:16**
